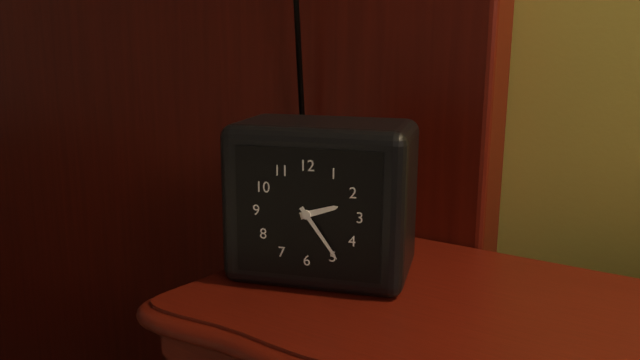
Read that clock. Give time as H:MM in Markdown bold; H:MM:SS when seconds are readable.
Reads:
**2:24**
